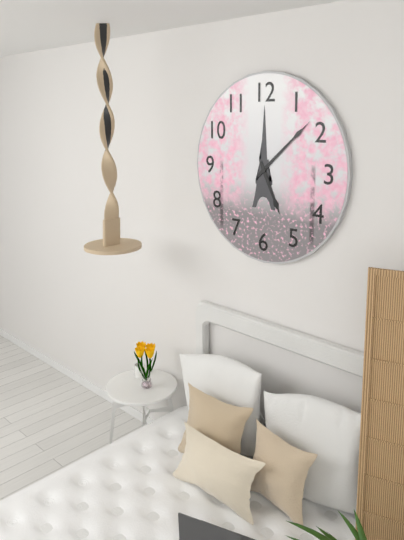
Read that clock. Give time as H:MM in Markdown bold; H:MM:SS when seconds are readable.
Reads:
**5:08**
